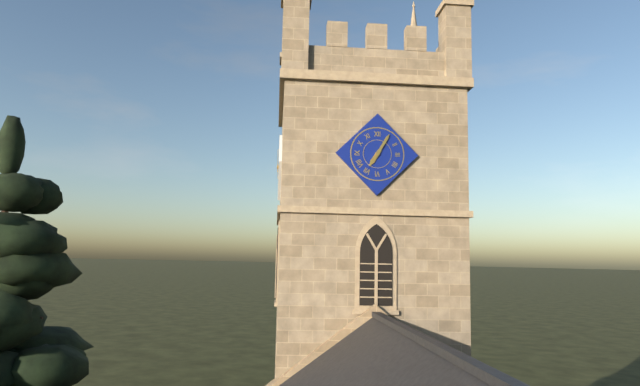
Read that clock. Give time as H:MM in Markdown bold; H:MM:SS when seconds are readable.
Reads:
**7:05**
